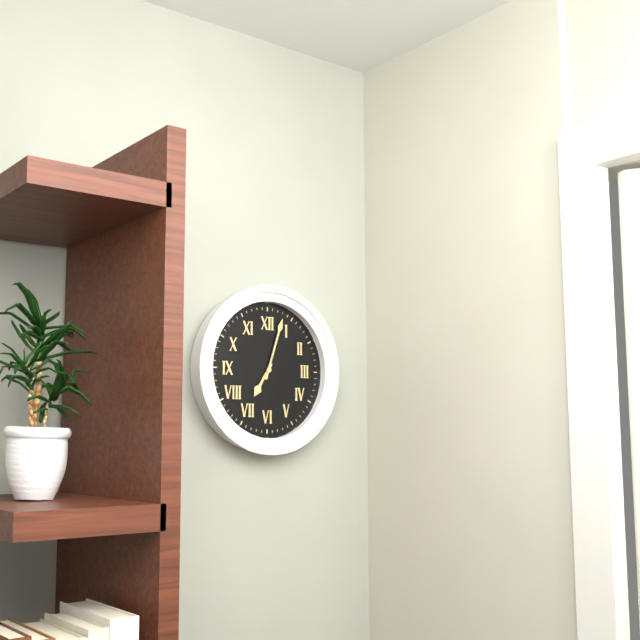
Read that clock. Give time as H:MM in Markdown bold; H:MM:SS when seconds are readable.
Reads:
**7:03**
